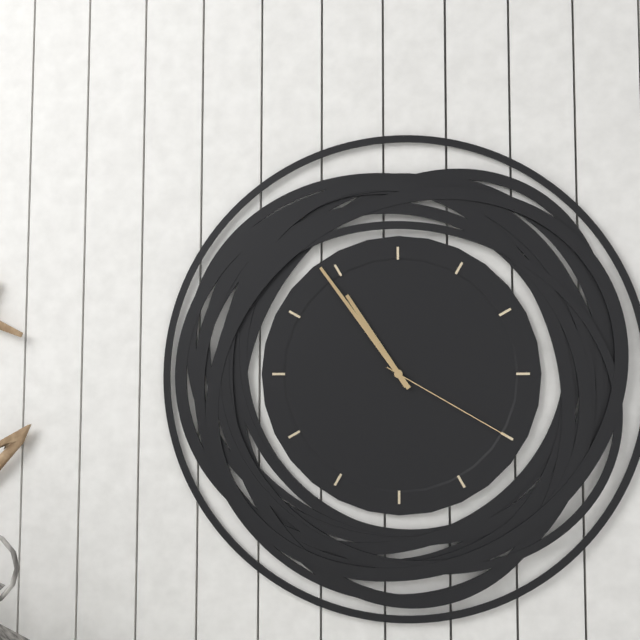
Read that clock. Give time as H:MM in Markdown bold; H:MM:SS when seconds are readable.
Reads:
**10:54:20**
